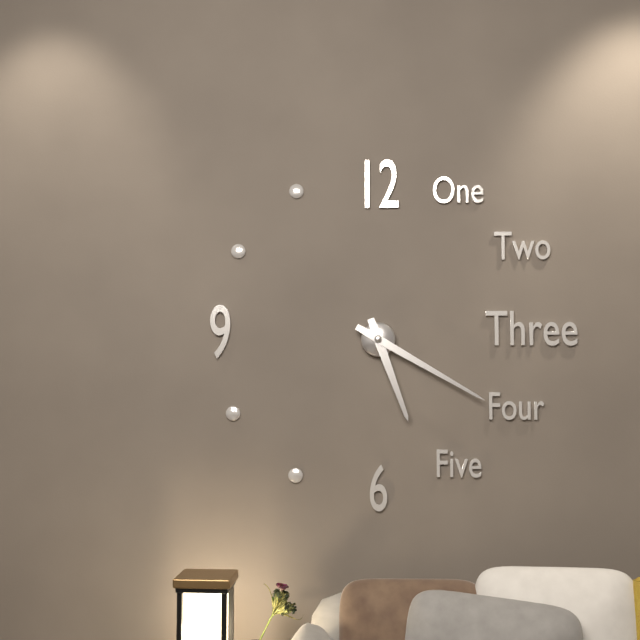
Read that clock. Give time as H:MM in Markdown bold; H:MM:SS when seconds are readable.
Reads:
**5:20**
